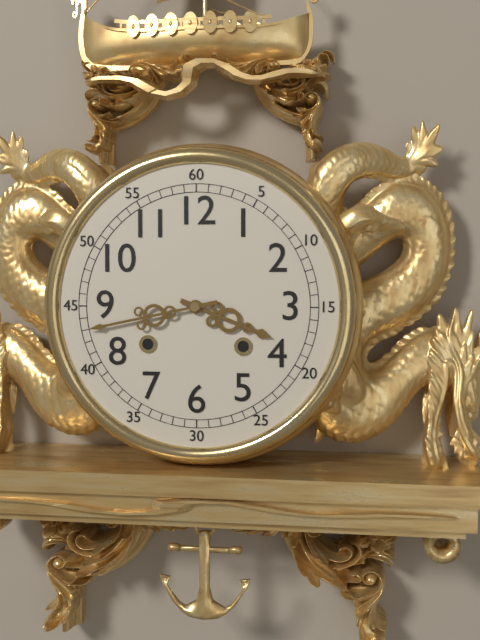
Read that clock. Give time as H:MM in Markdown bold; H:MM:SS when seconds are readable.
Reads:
**3:43**
